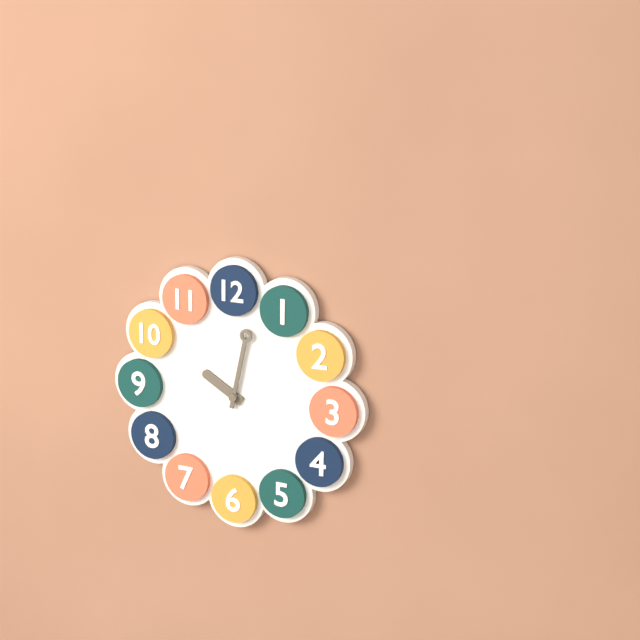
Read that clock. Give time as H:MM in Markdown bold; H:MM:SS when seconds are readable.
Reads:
**10:02**
